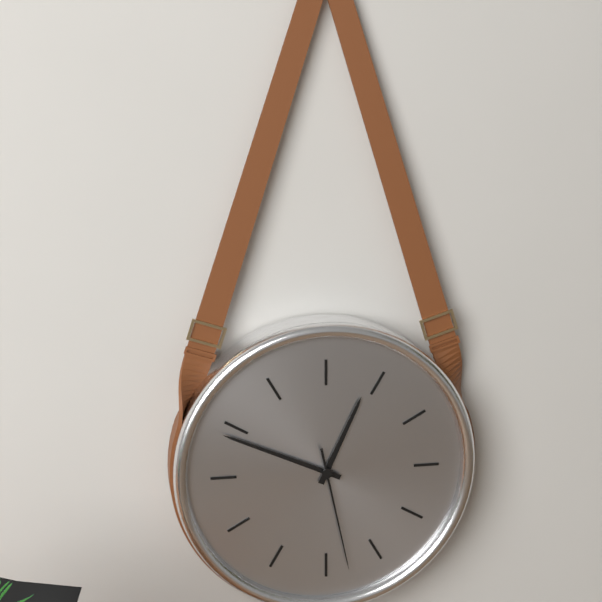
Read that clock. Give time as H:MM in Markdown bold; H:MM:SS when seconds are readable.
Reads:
**12:49:28**
